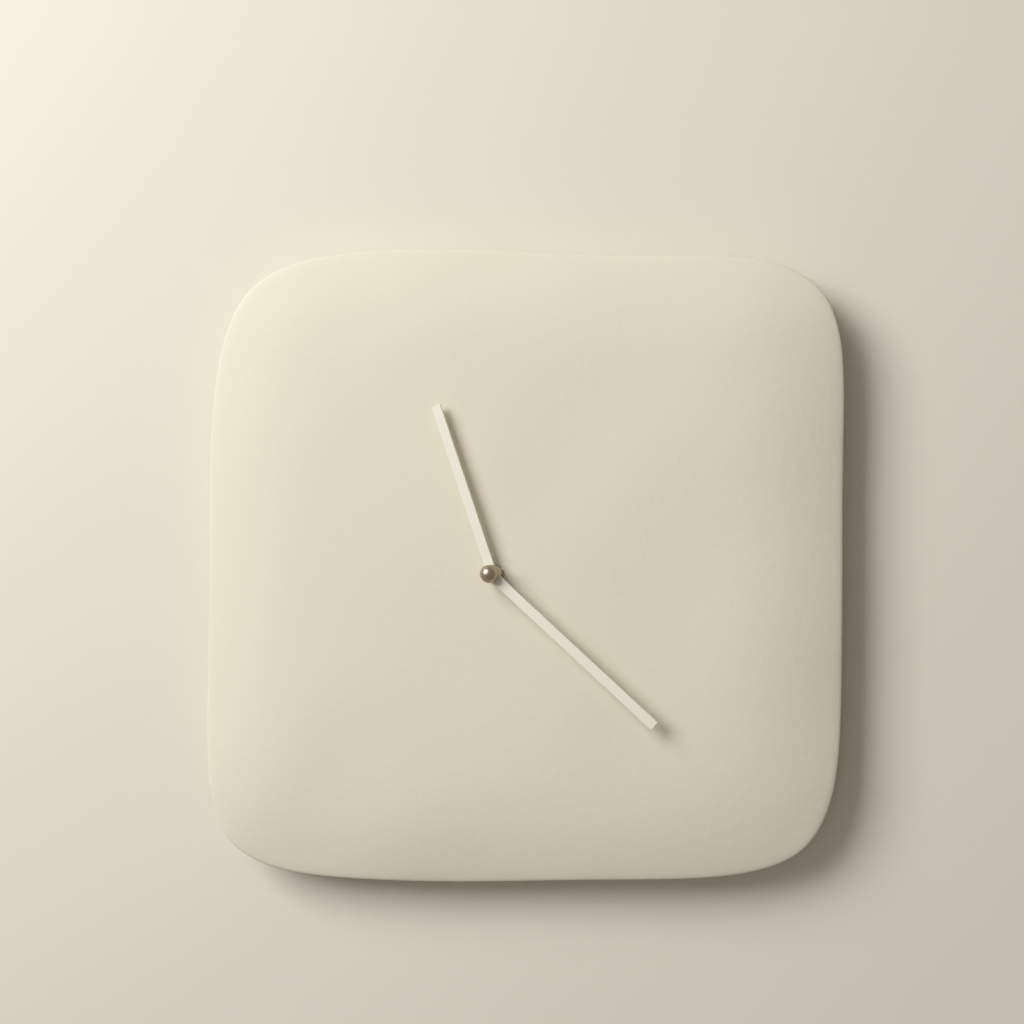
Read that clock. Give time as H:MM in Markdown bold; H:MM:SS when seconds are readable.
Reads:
**11:22**
